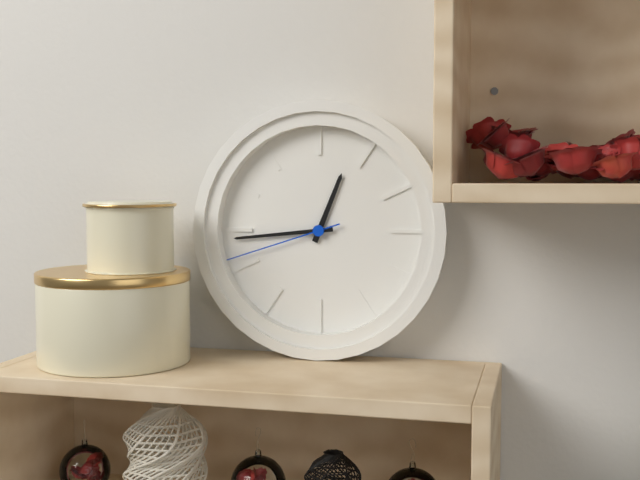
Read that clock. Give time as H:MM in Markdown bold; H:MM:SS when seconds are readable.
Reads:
**12:44:42**
